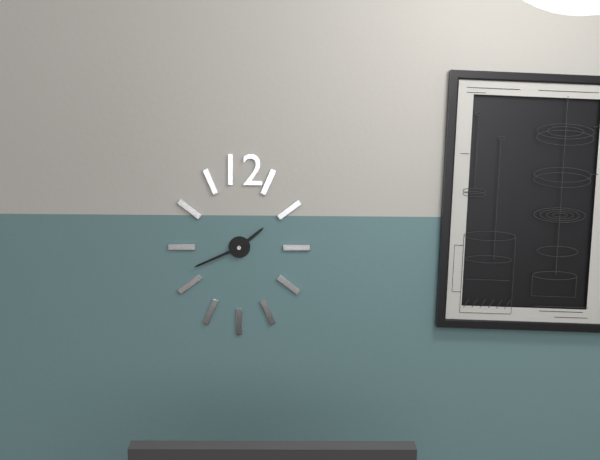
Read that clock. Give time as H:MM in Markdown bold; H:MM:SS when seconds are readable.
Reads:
**1:41**
